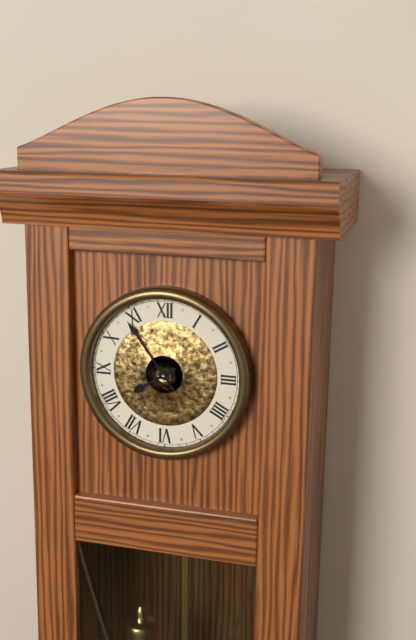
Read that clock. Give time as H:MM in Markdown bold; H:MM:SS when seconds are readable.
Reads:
**7:54**
